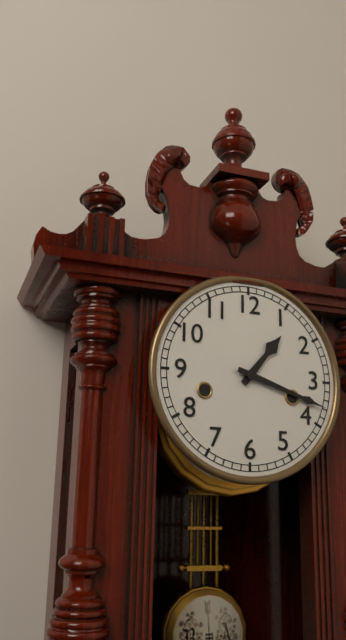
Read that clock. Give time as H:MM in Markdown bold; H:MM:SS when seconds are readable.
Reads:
**1:18**
